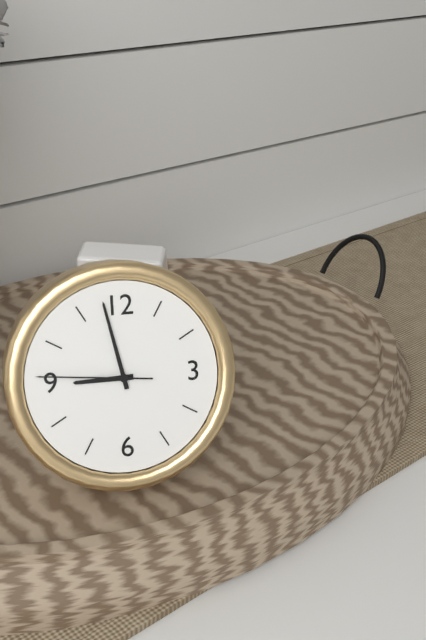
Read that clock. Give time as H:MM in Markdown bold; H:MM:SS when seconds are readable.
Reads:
**8:58:46**
